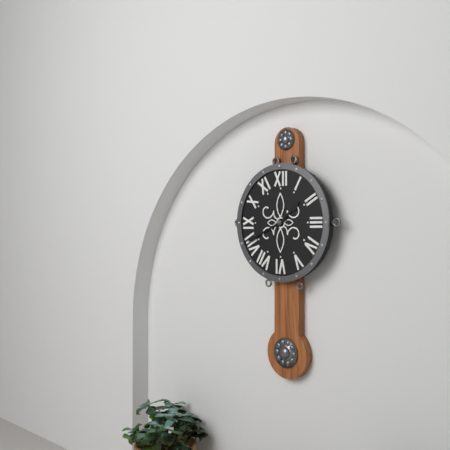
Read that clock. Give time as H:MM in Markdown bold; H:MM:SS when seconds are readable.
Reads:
**1:41**
